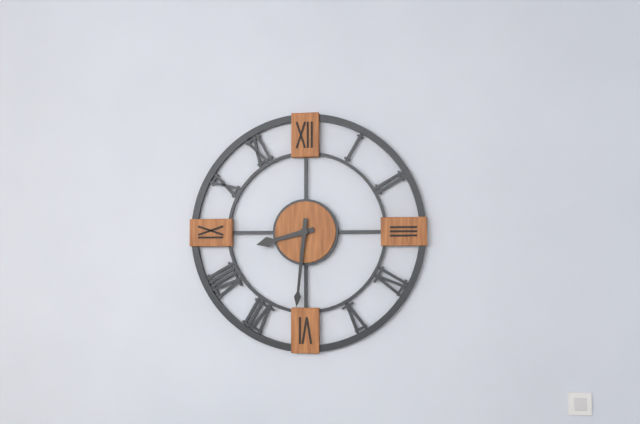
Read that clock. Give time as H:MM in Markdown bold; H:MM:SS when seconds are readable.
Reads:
**8:31**
